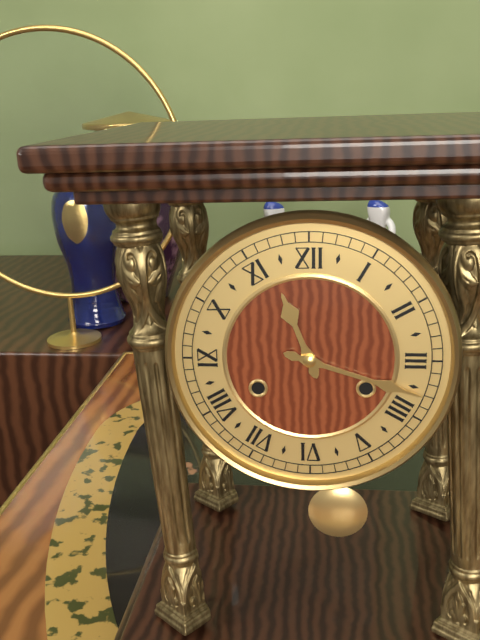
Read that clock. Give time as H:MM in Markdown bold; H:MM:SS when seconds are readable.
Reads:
**11:18**
